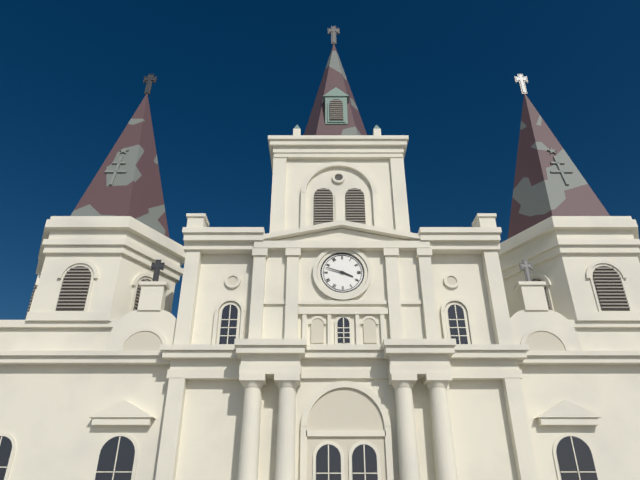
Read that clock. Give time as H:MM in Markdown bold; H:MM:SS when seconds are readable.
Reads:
**3:48**
